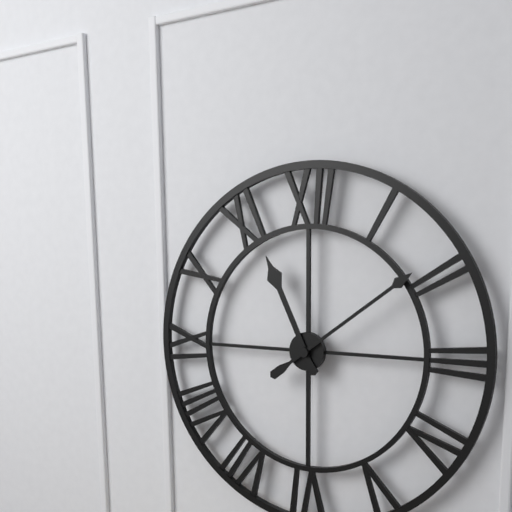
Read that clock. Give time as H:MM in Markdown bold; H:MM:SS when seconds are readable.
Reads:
**11:09**
